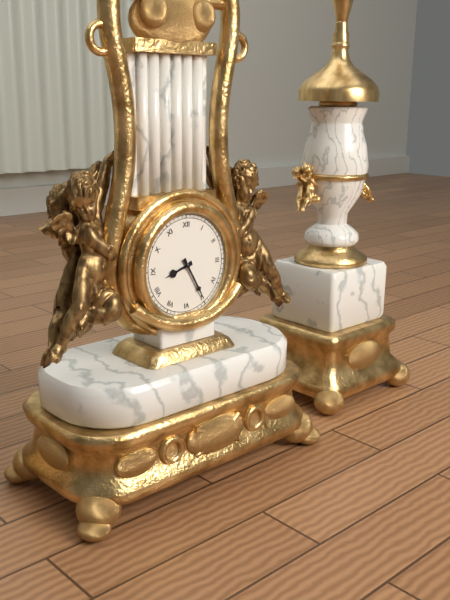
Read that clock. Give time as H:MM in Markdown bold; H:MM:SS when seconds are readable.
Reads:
**8:25**
